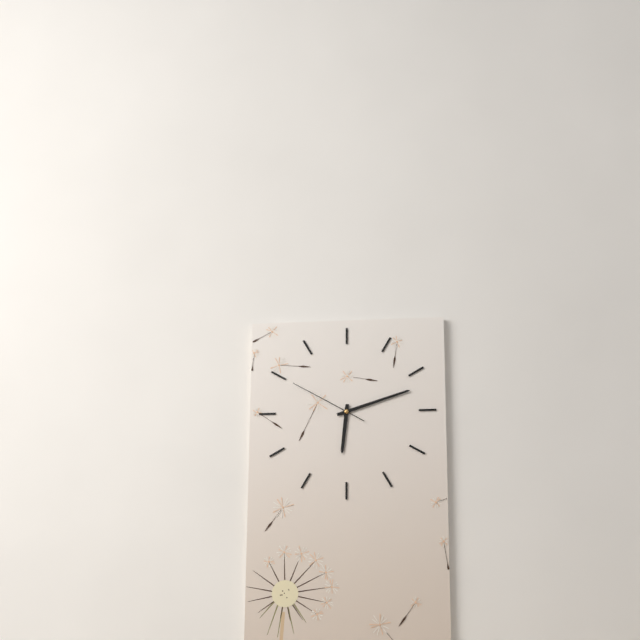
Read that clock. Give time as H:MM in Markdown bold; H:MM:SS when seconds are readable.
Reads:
**6:12:50**
